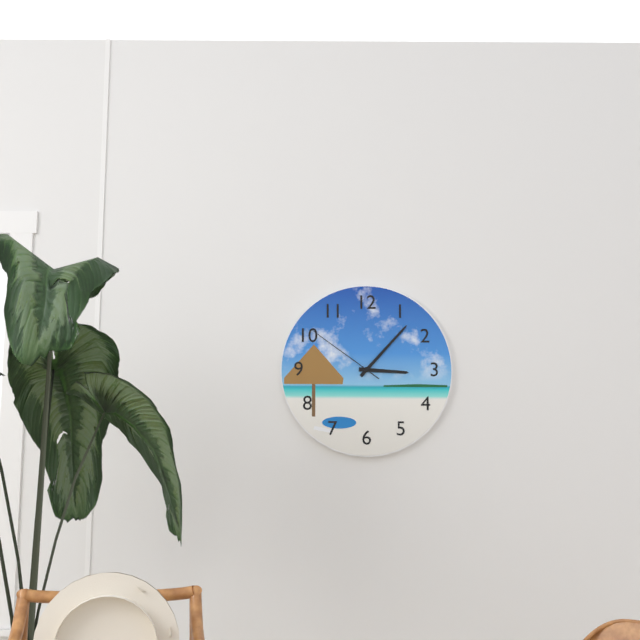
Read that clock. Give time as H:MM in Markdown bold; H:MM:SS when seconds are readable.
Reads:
**3:07:51**
